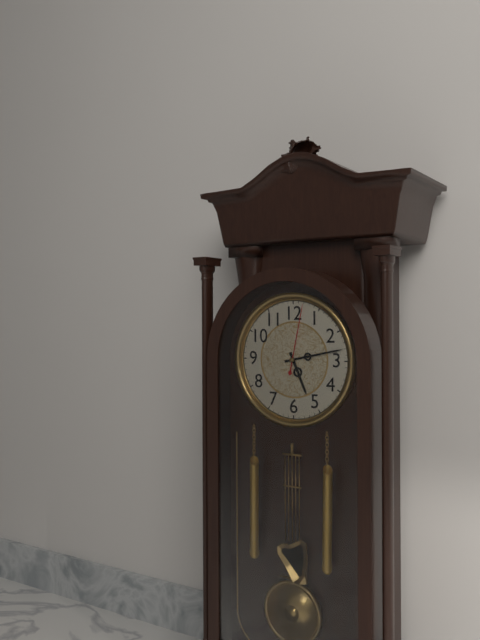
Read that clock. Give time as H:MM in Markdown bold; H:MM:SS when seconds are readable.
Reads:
**5:13:02**
